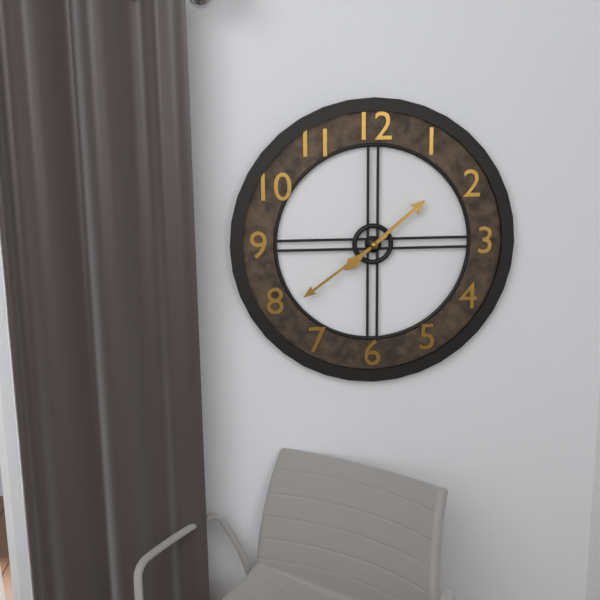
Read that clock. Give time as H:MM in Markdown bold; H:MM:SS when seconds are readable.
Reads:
**1:39**
